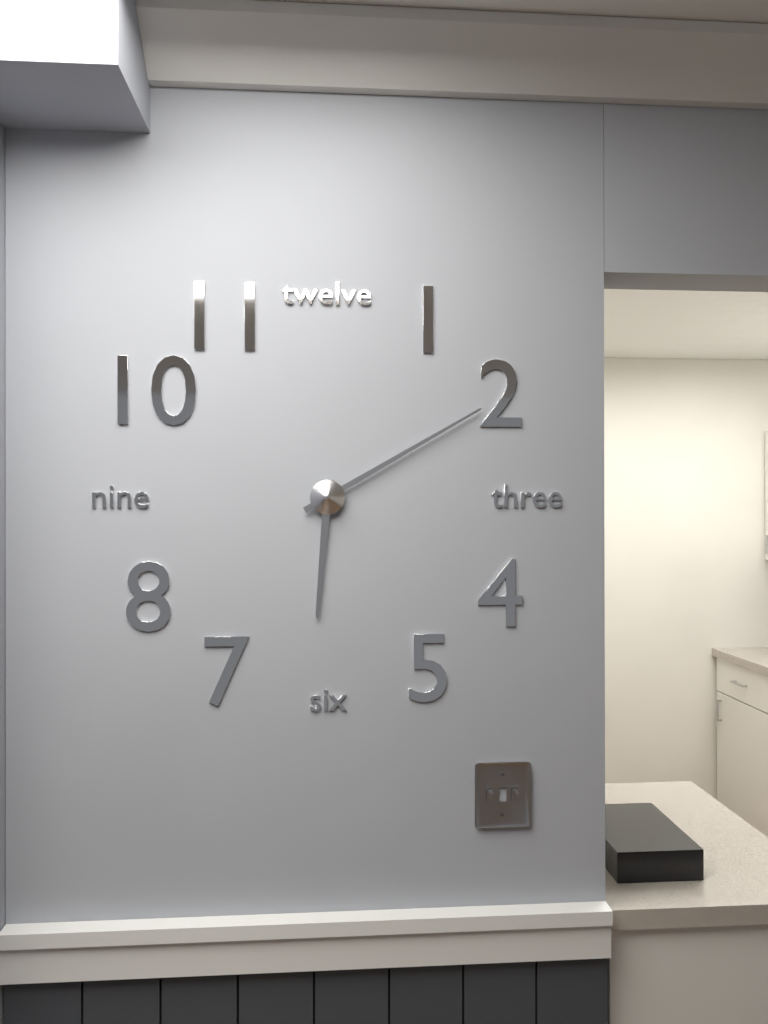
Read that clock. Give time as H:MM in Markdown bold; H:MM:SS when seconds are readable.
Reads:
**6:10**
